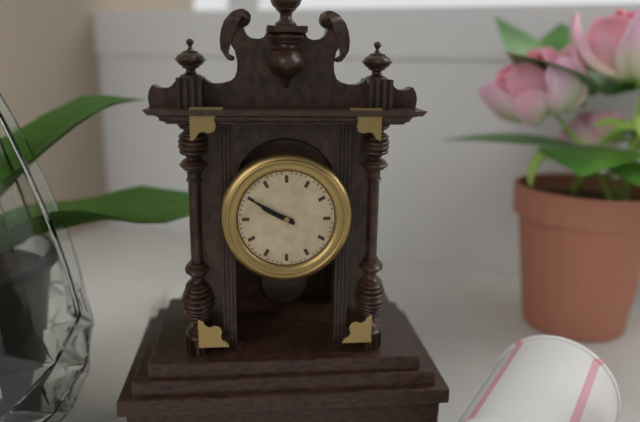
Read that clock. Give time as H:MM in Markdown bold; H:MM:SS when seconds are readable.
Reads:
**9:50**
